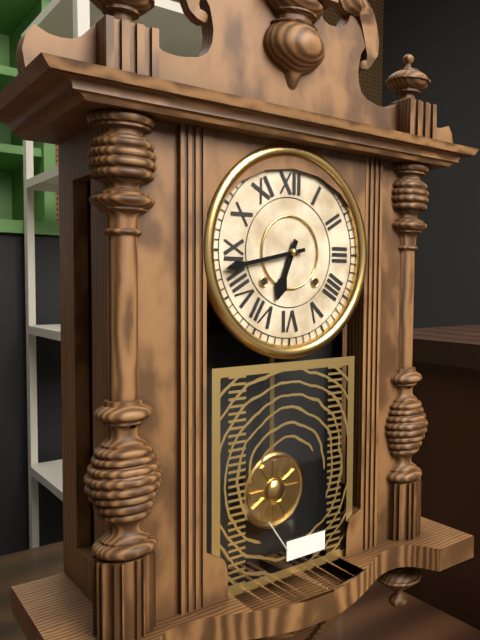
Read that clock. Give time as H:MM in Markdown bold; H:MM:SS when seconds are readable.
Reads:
**6:43**
